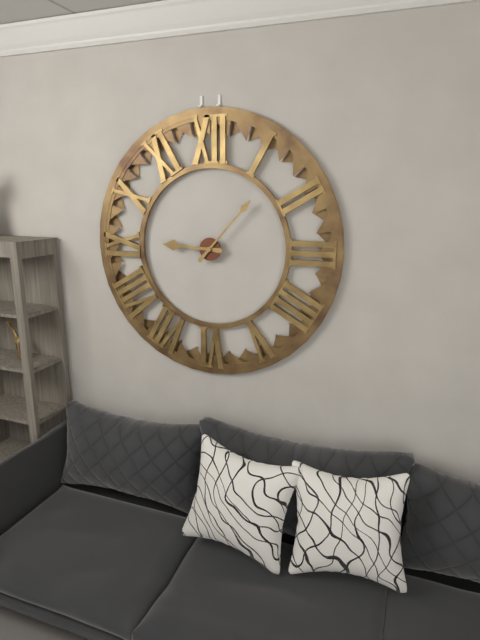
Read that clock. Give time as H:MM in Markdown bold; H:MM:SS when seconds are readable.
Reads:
**9:07**
